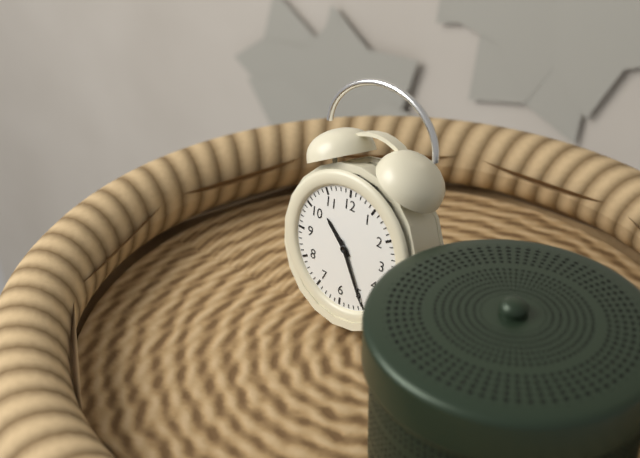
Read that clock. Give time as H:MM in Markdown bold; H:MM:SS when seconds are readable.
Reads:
**10:25**
